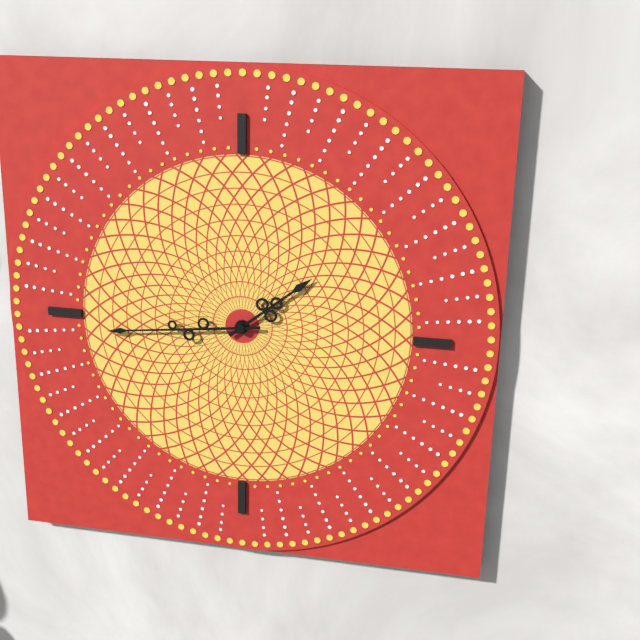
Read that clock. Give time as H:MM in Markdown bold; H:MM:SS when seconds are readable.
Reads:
**1:44**
